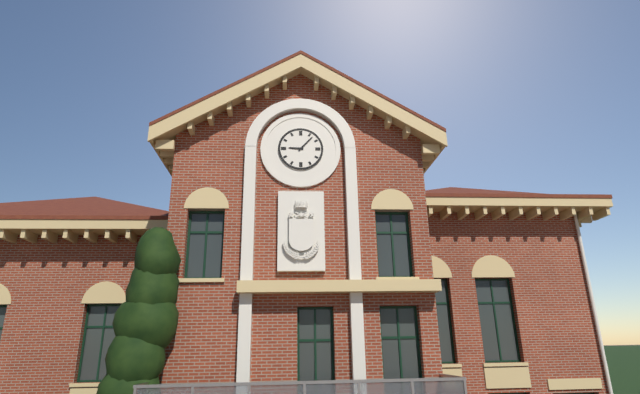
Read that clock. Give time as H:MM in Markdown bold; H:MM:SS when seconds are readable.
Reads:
**9:07**
